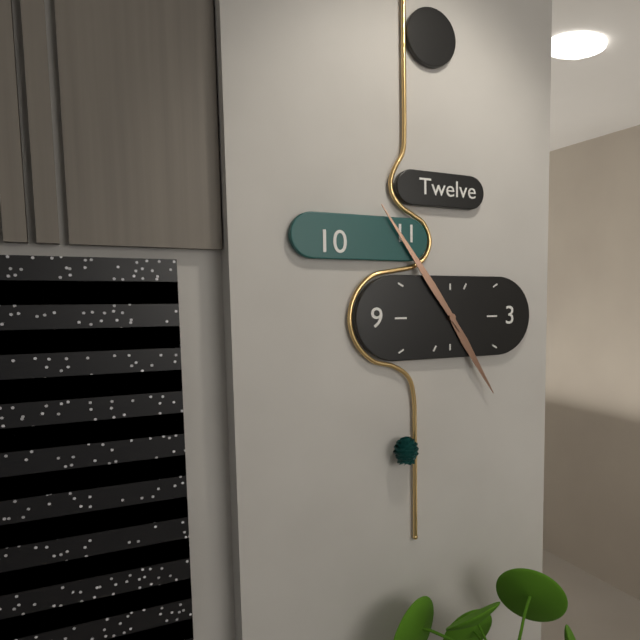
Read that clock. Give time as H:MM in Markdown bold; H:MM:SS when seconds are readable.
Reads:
**4:54**
